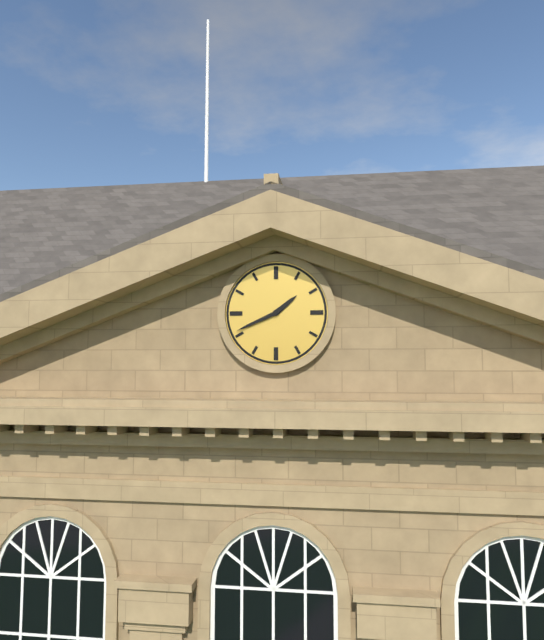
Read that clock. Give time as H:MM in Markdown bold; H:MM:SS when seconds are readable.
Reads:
**1:41**
